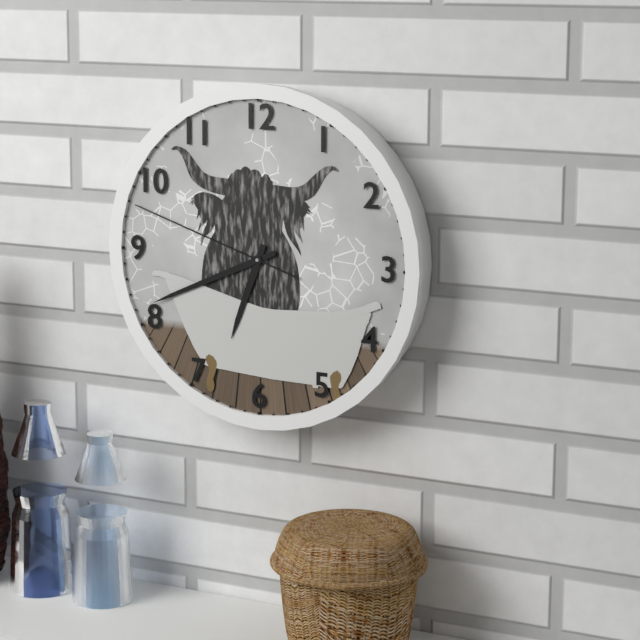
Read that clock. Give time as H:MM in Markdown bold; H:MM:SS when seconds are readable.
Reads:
**6:41:48**
